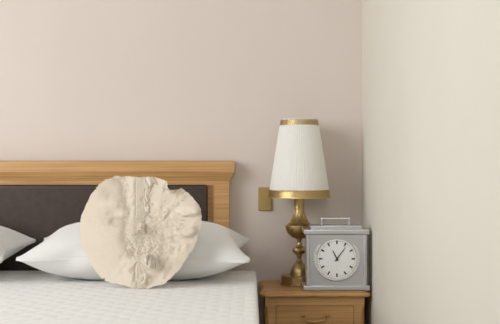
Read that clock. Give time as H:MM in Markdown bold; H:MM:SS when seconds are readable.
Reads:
**11:06**
